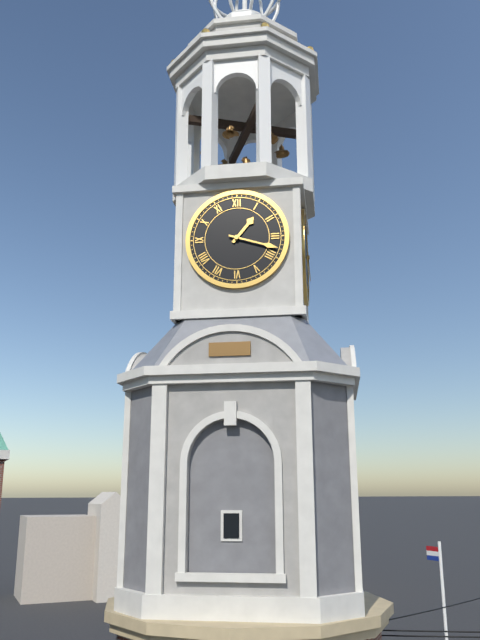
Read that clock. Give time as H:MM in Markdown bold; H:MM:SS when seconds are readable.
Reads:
**1:18**
